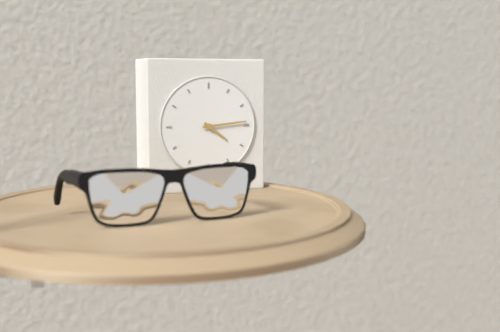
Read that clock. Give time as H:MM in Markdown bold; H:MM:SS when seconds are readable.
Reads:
**4:14**
